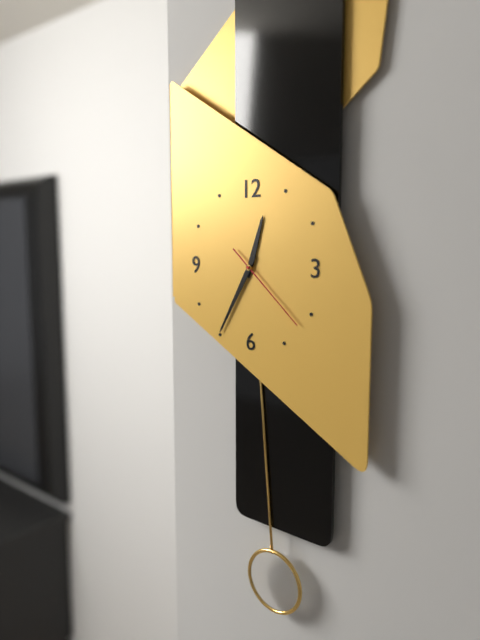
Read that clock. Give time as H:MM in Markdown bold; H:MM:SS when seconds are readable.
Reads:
**12:35:22**
